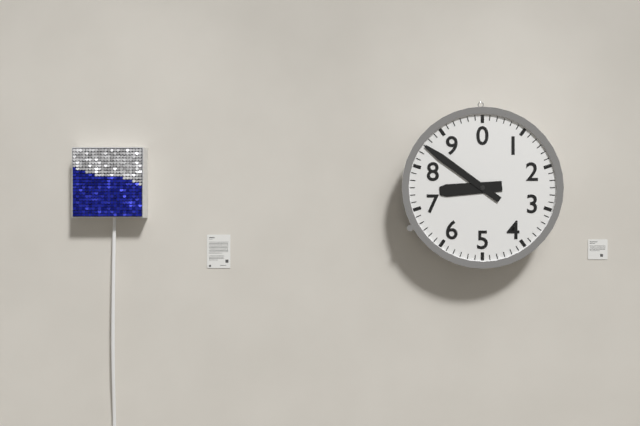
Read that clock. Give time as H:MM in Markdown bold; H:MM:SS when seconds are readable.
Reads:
**8:51**
